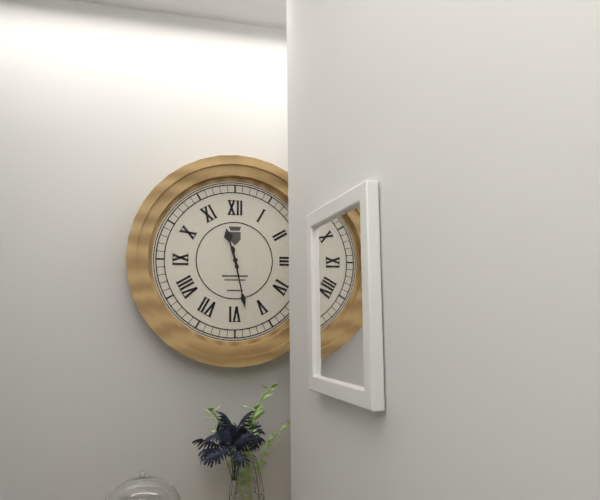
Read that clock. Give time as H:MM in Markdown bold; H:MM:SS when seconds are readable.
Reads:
**11:28**
